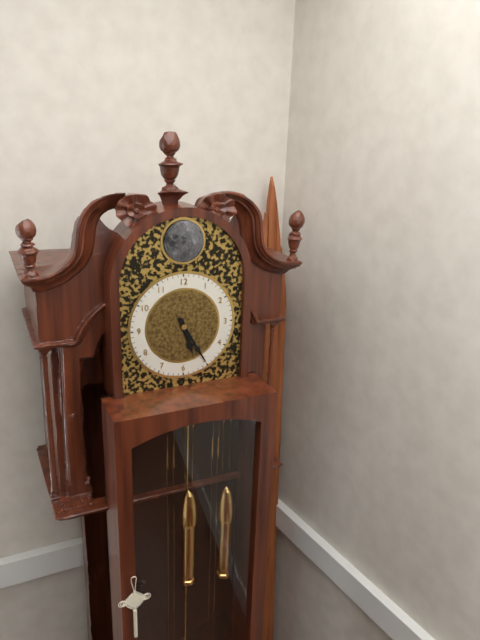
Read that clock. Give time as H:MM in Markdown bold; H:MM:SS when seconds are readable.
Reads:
**5:25**
